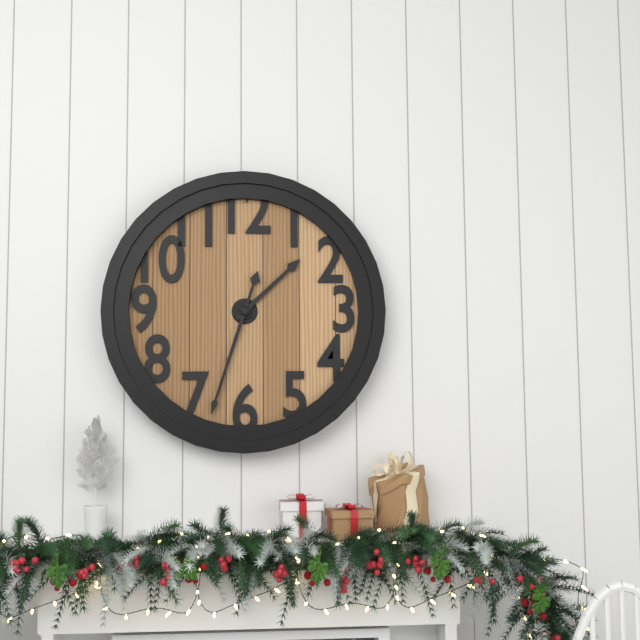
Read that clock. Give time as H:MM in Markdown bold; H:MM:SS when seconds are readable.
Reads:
**1:33**
